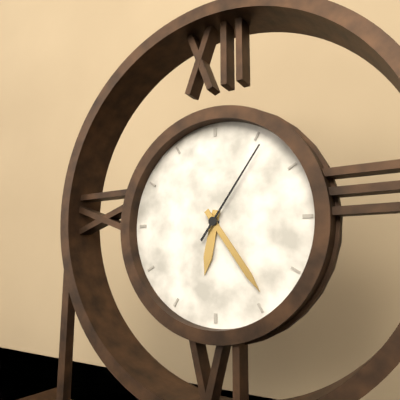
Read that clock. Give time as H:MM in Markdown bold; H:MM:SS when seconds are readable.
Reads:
**6:24:06**
